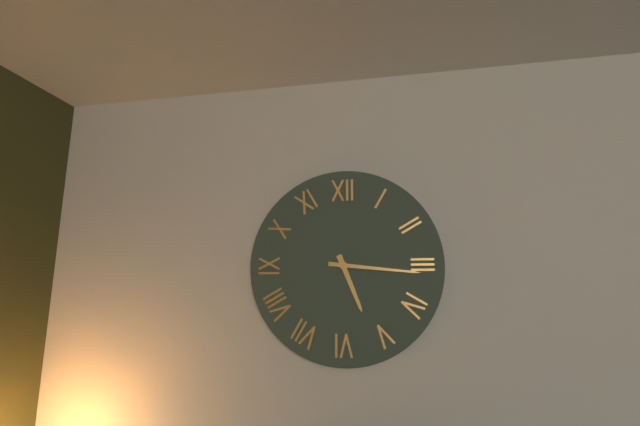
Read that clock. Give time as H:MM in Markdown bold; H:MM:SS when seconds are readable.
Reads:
**5:16**
